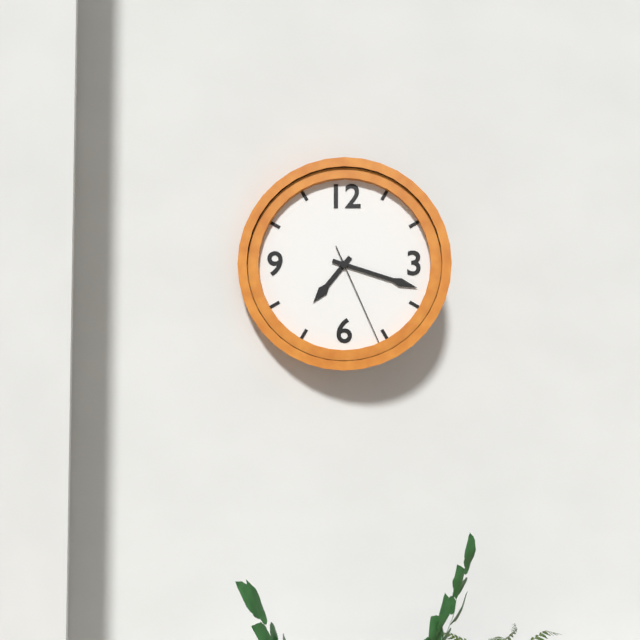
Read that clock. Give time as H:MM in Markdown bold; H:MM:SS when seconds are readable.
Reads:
**7:18:26**
